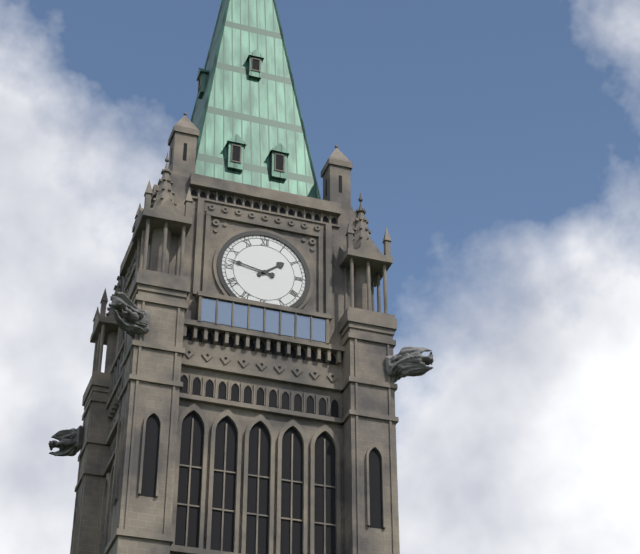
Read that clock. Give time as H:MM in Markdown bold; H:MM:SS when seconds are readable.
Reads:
**1:47**
